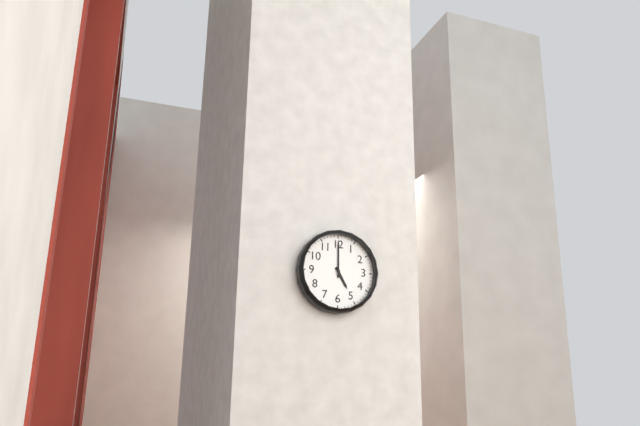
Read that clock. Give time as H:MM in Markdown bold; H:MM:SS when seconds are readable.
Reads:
**5:00**
